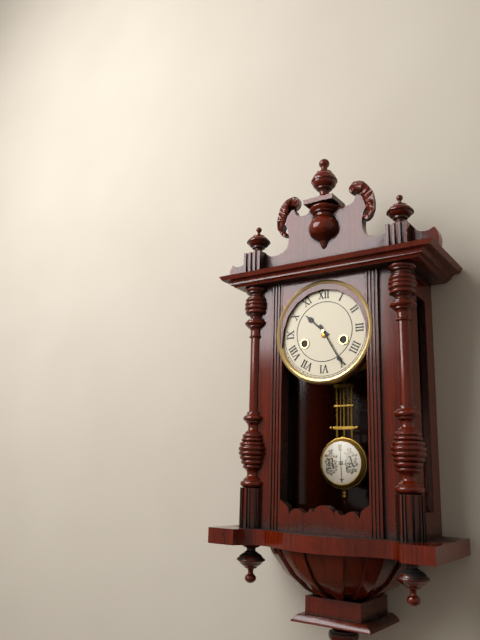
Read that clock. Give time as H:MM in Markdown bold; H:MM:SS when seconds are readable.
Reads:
**10:25**
